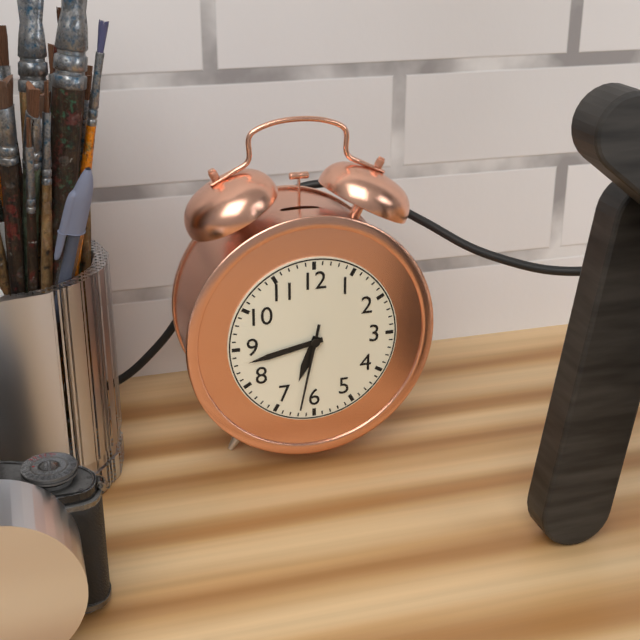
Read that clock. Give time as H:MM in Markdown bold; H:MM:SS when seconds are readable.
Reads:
**6:43:32**
